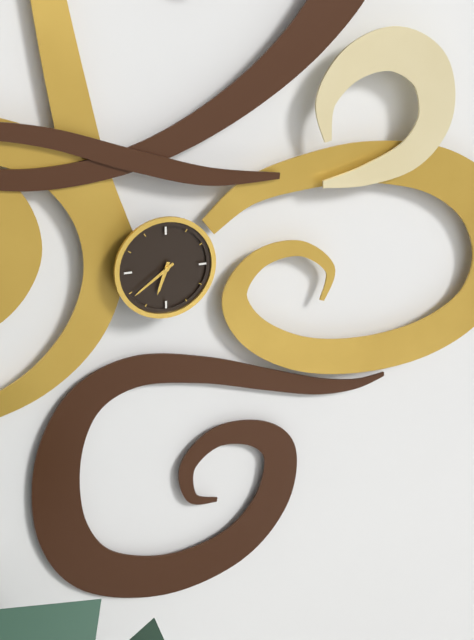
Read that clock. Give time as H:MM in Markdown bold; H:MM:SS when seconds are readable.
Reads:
**6:39**
